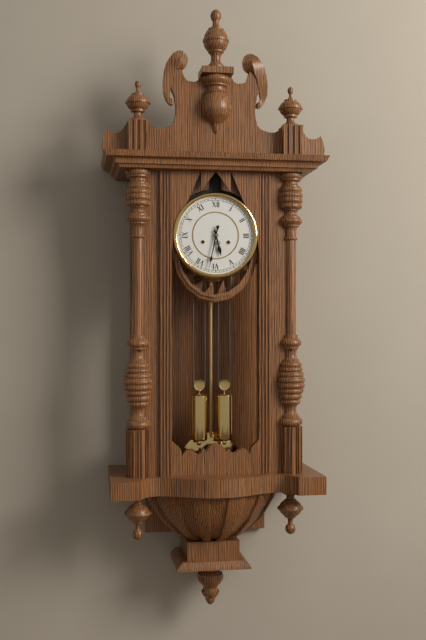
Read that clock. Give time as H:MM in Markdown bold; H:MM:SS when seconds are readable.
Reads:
**5:32**
